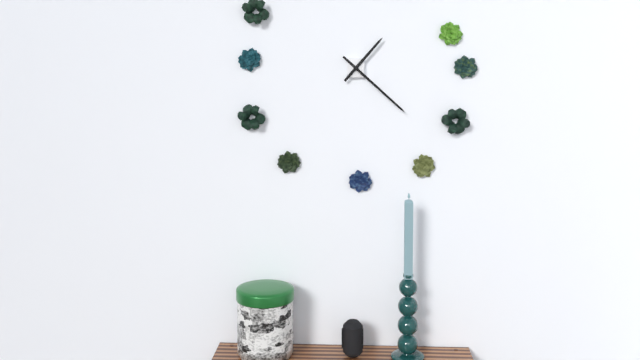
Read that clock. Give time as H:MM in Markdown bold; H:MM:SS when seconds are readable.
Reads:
**1:22**
